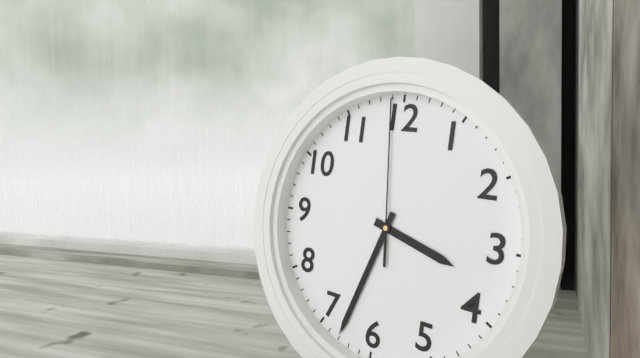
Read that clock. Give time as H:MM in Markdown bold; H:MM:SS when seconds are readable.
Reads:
**3:33:59**
